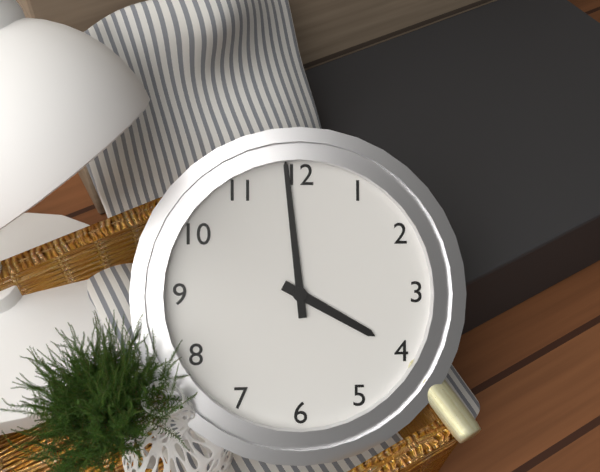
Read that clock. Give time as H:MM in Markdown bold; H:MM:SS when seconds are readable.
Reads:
**3:59**
